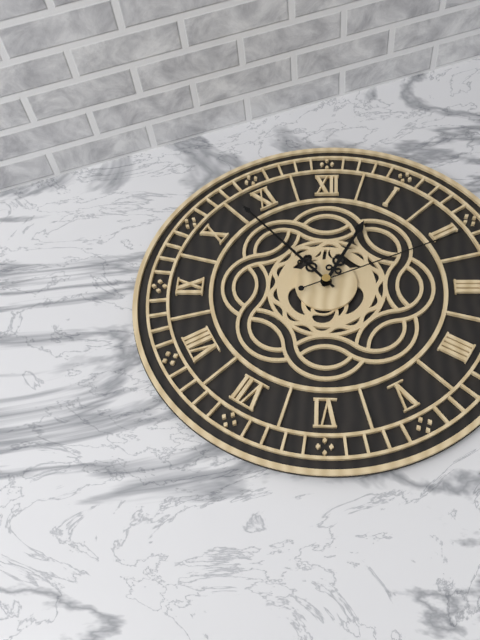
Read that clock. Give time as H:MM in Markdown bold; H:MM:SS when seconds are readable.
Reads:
**12:53:11**
